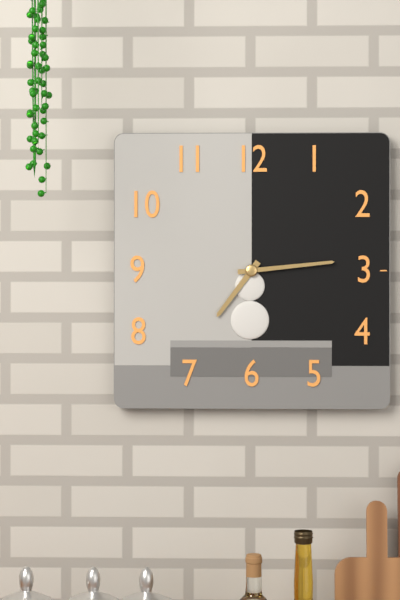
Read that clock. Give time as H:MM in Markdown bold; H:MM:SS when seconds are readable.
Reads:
**7:14**
